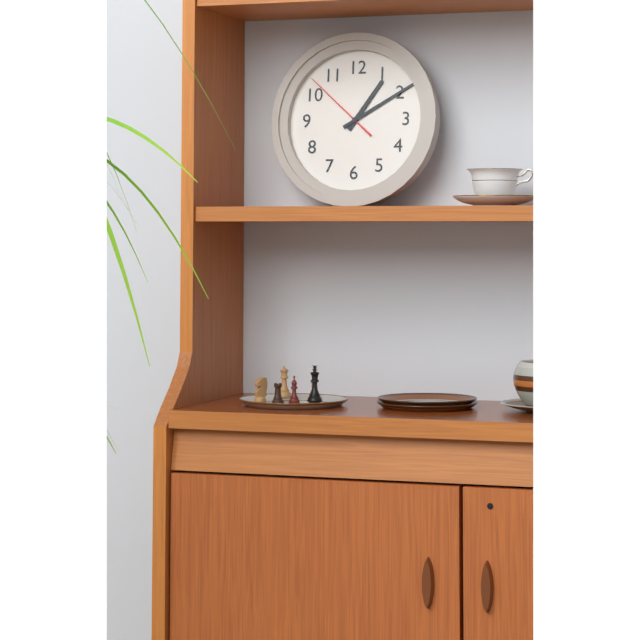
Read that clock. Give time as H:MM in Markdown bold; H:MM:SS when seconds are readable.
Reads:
**1:10:52**
